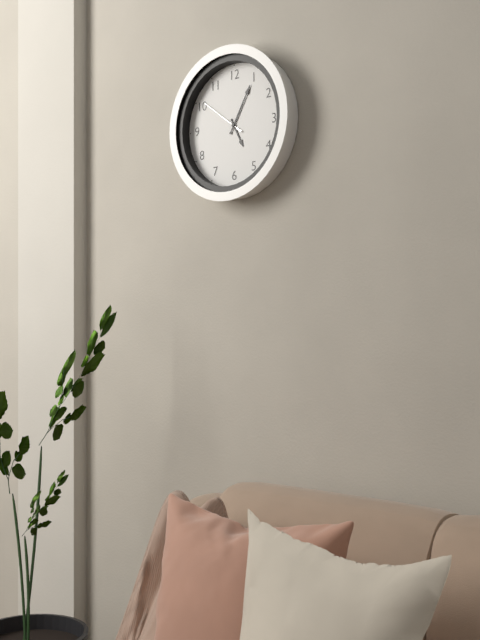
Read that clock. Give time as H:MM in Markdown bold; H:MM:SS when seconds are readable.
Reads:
**5:05:51**
